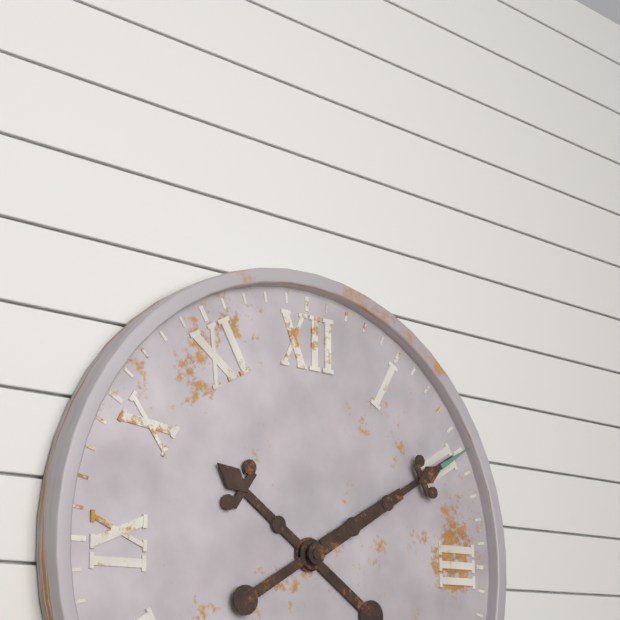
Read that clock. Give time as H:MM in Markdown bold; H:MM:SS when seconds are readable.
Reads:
**10:10**
